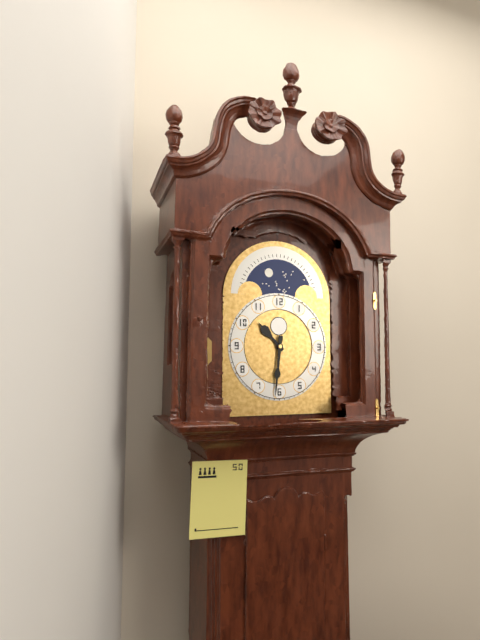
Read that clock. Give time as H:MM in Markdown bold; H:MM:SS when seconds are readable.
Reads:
**10:31**
